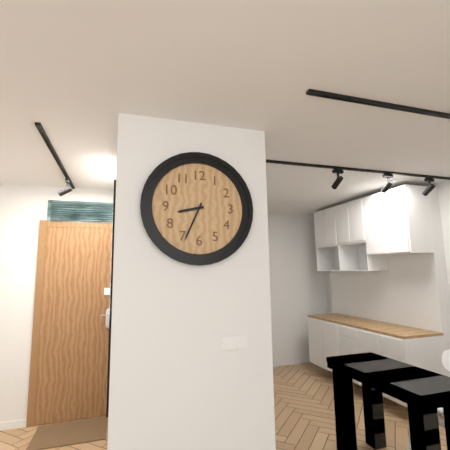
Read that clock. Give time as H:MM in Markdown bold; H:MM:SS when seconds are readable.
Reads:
**8:34**
